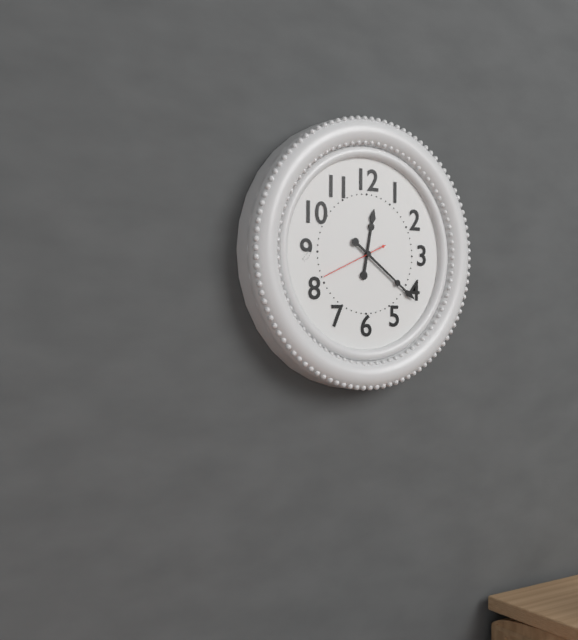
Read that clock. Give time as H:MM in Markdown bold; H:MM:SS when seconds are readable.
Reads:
**12:21**
